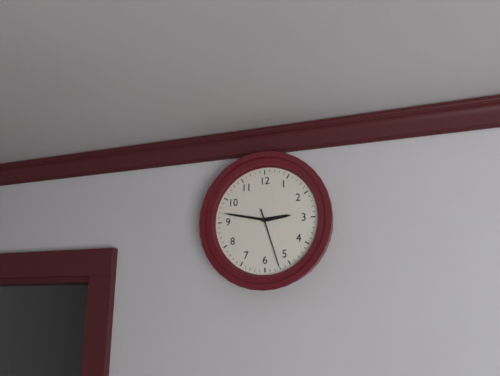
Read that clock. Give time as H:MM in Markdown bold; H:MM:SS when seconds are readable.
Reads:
**2:47:27**
